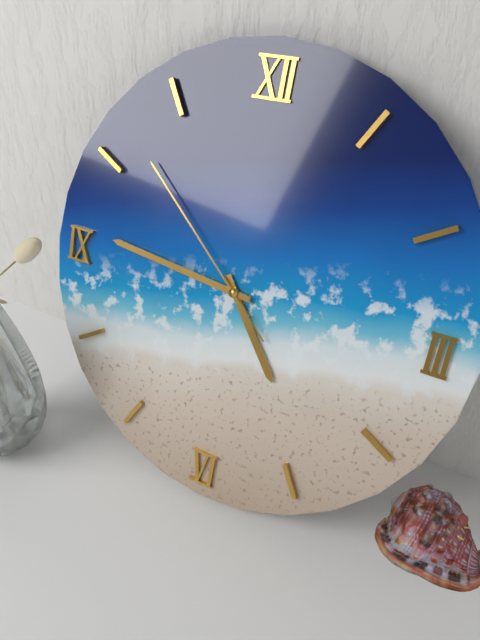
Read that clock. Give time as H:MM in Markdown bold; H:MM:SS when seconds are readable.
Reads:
**4:46:52**
